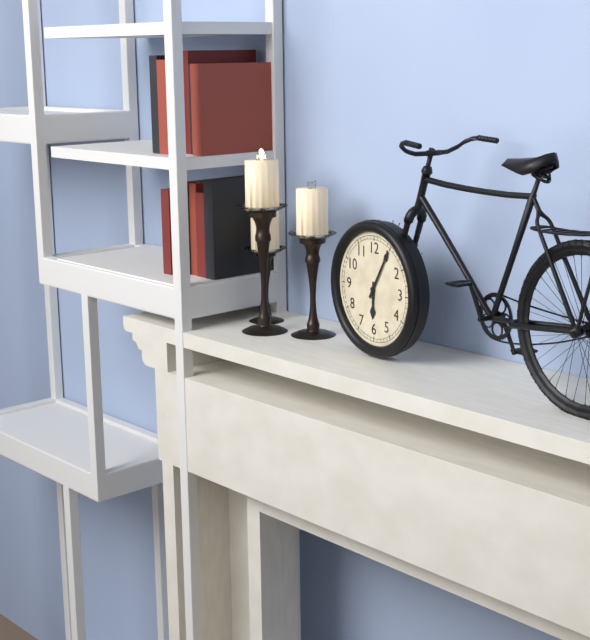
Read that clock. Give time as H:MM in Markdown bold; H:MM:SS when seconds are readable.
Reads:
**6:05**
